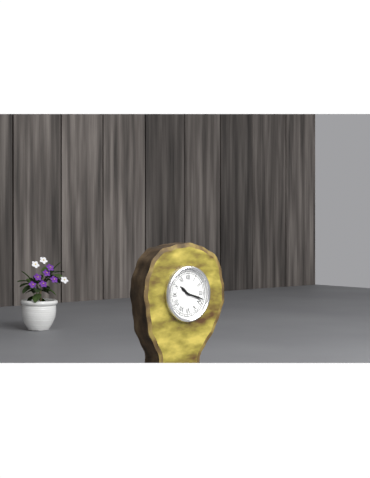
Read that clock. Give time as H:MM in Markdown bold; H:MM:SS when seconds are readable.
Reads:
**10:18**
